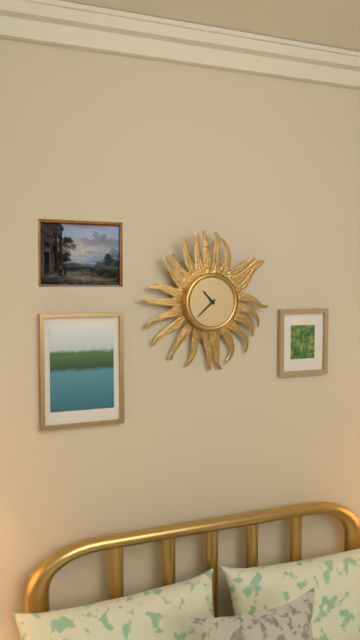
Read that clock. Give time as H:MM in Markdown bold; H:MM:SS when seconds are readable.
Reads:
**10:38**
